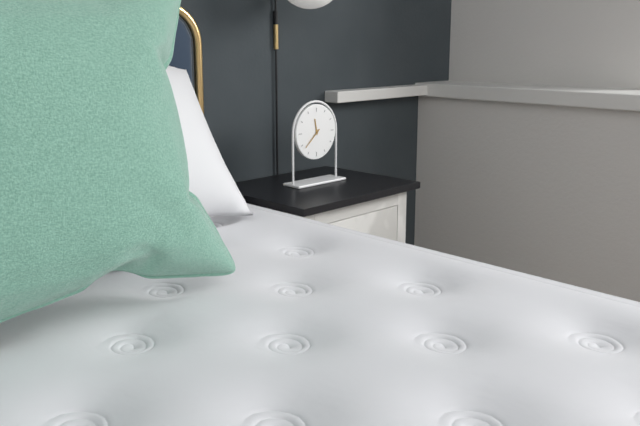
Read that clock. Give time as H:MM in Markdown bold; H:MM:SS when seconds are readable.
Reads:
**11:38**
